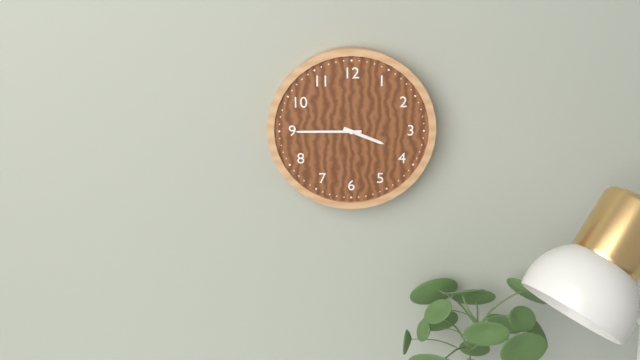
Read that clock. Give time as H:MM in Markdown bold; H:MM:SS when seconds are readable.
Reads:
**3:45**
